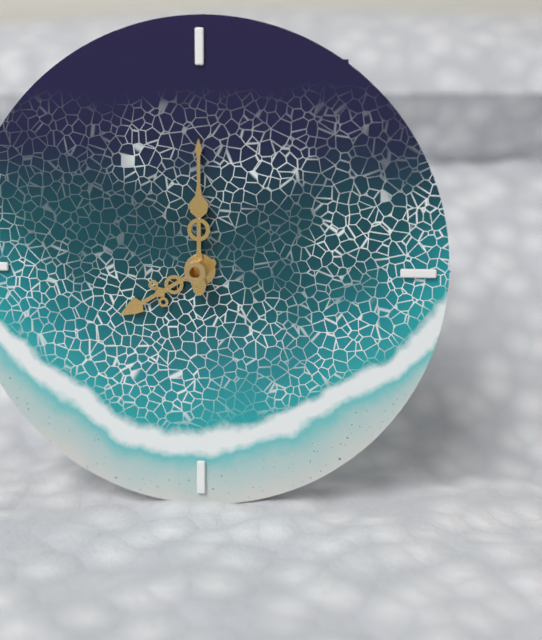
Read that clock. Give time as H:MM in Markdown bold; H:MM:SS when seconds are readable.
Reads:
**8:00**
